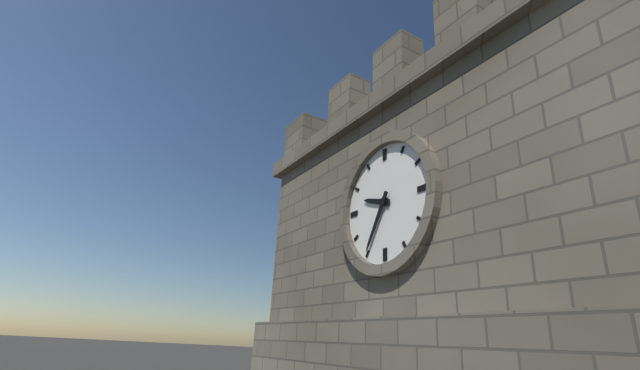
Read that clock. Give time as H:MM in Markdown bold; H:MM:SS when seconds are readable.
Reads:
**9:35**
